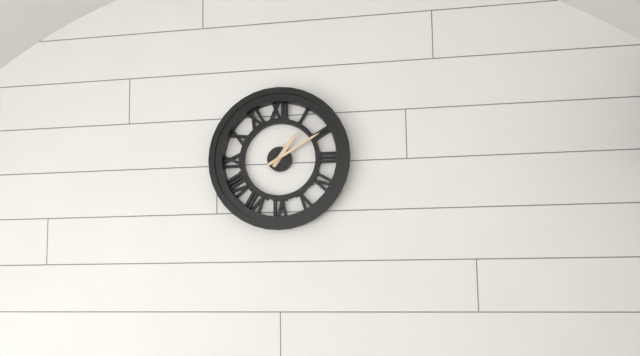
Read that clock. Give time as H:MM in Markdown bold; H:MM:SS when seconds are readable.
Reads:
**1:10**
